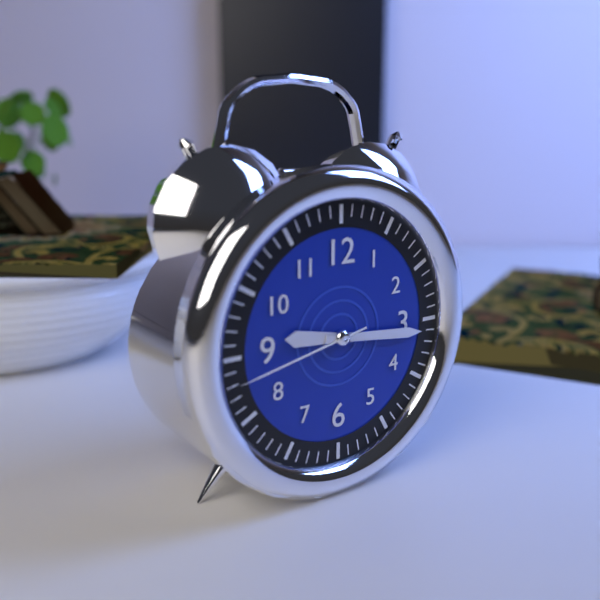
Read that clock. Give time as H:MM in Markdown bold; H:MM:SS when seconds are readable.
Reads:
**9:16:43**
